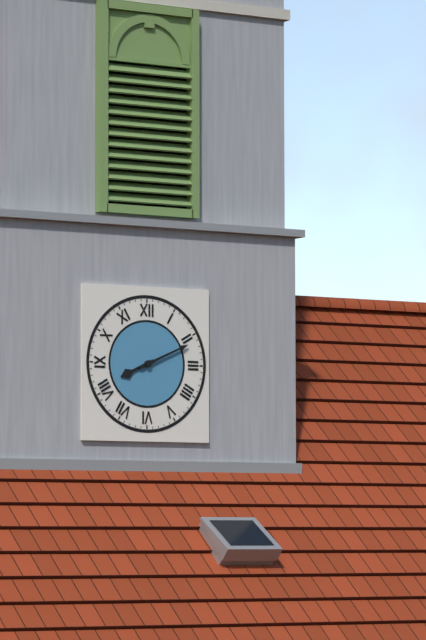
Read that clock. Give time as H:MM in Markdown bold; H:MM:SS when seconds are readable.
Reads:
**8:11**
